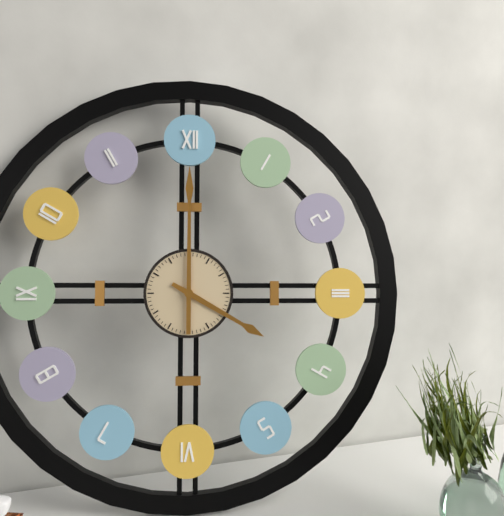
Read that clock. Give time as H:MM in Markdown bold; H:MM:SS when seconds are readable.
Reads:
**4:00**
